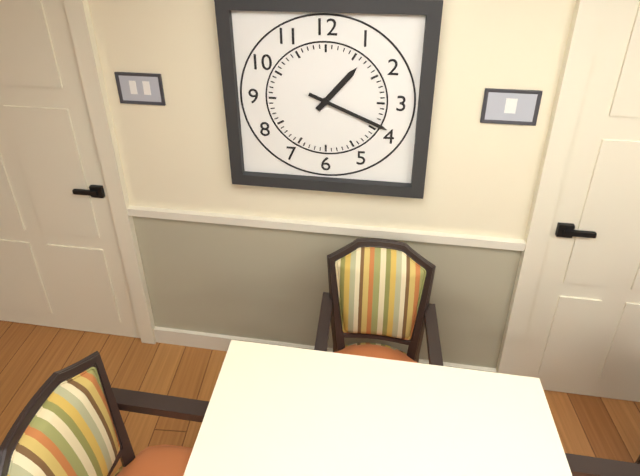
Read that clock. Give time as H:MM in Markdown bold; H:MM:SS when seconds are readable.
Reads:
**1:19**
